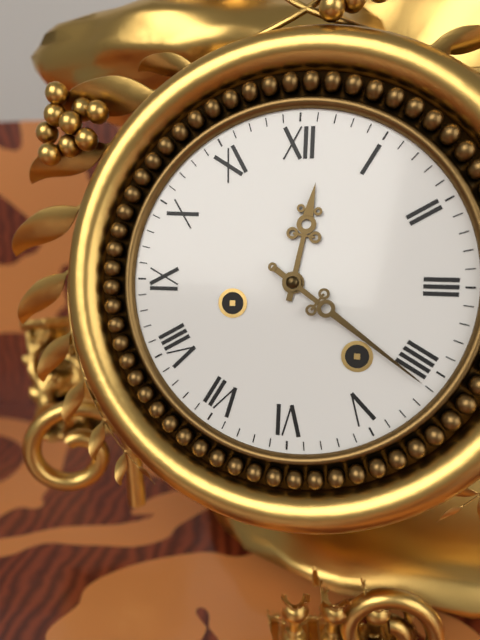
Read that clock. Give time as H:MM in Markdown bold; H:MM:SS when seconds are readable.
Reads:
**12:21**
